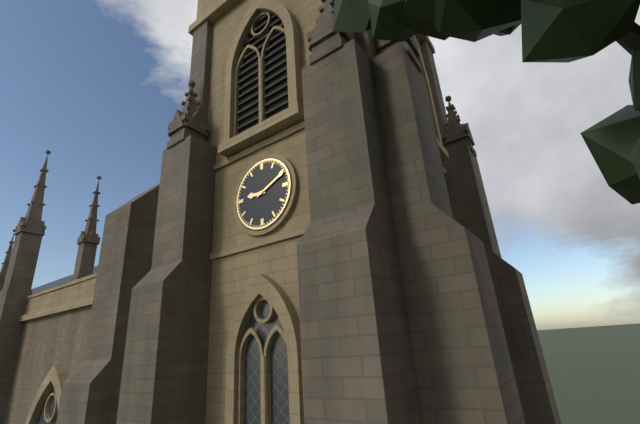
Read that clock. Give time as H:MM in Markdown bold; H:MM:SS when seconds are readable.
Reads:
**9:11**
